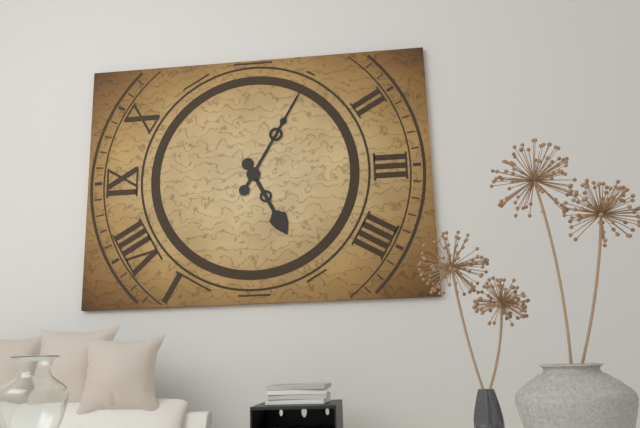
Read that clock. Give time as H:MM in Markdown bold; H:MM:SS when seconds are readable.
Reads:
**5:05**
